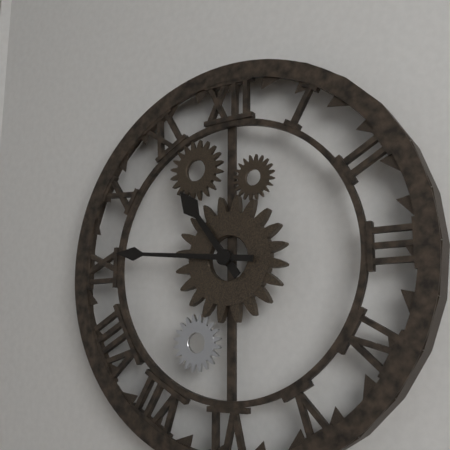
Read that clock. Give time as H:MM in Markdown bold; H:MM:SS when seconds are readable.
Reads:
**10:46**
